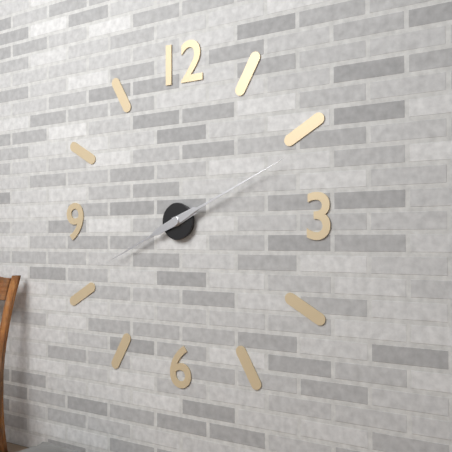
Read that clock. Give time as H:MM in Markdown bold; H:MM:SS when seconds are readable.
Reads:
**8:11**
